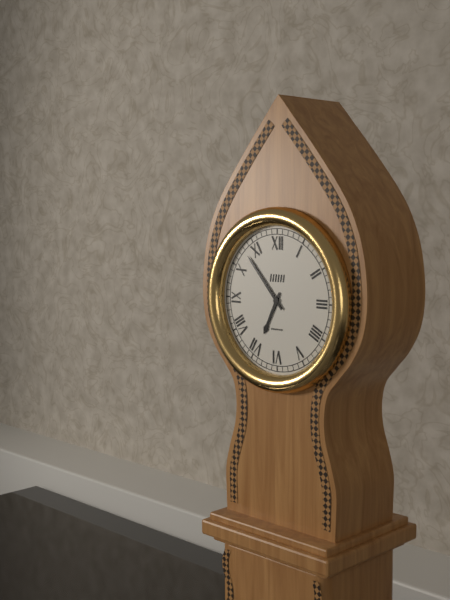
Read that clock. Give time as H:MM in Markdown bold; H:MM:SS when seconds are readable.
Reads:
**6:53**
